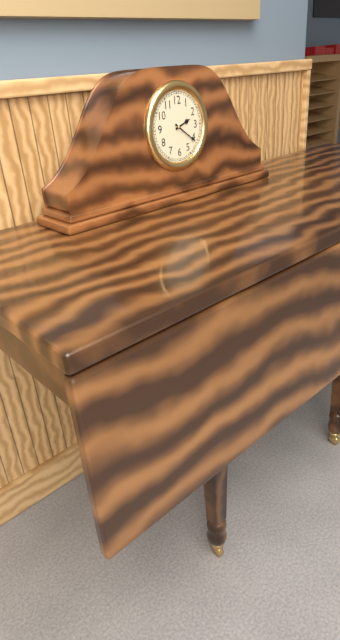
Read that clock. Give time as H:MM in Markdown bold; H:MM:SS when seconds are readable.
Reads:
**2:21**
